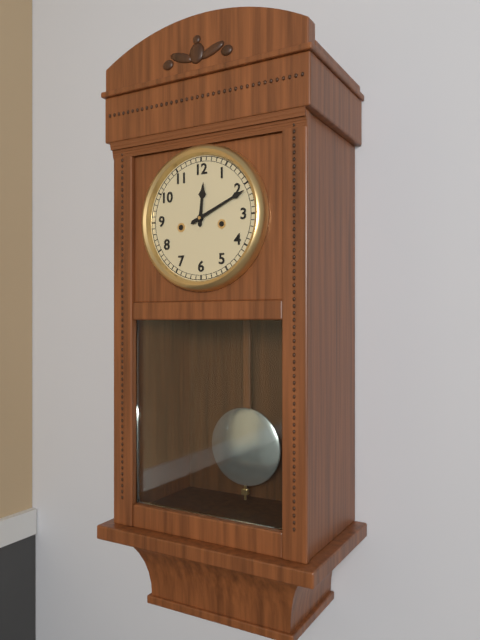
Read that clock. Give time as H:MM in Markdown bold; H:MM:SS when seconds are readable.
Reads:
**12:11**
